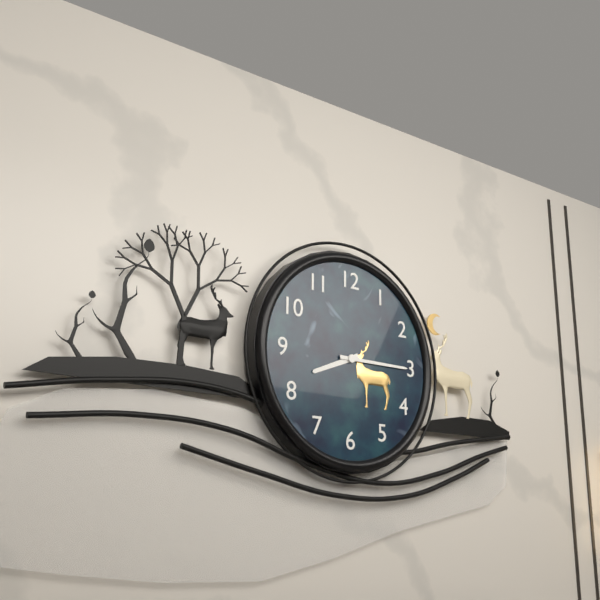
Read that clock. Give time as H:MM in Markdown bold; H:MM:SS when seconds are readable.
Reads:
**8:15**
